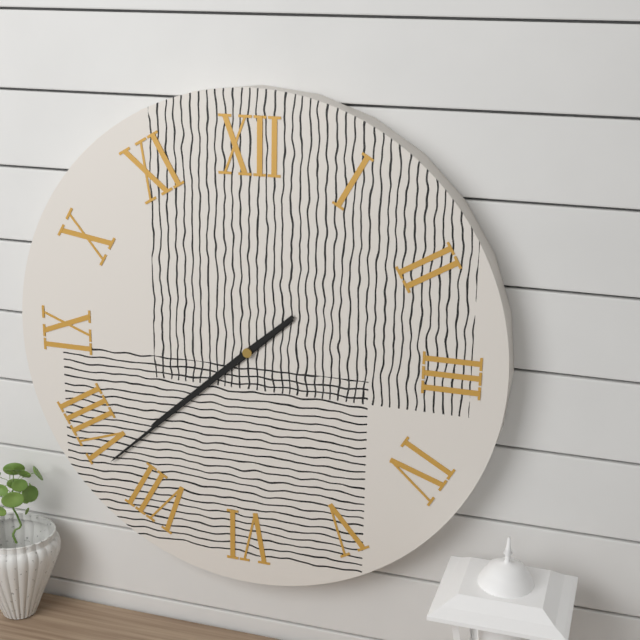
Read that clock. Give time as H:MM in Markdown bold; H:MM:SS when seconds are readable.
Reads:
**7:38**
